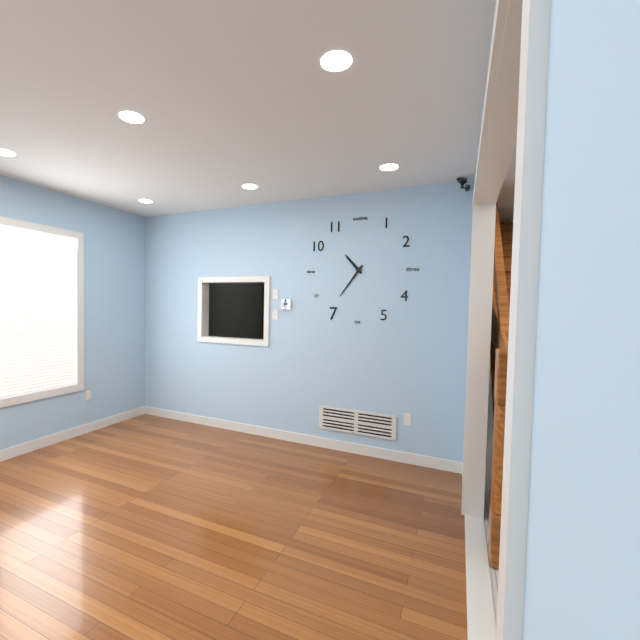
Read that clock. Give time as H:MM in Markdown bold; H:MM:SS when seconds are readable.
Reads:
**10:36**
